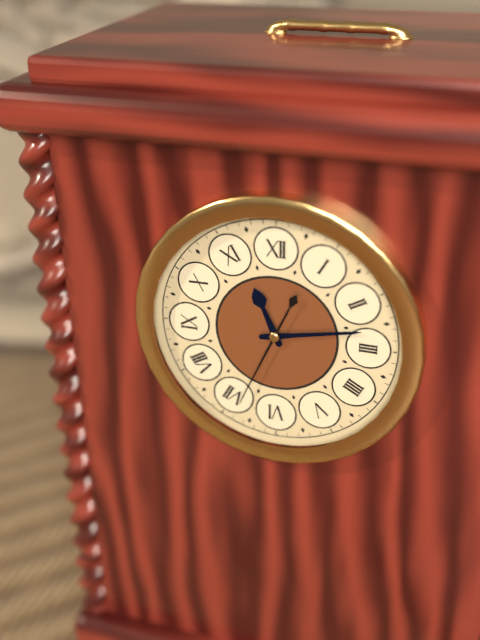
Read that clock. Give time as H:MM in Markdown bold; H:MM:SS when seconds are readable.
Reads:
**11:13:34**
